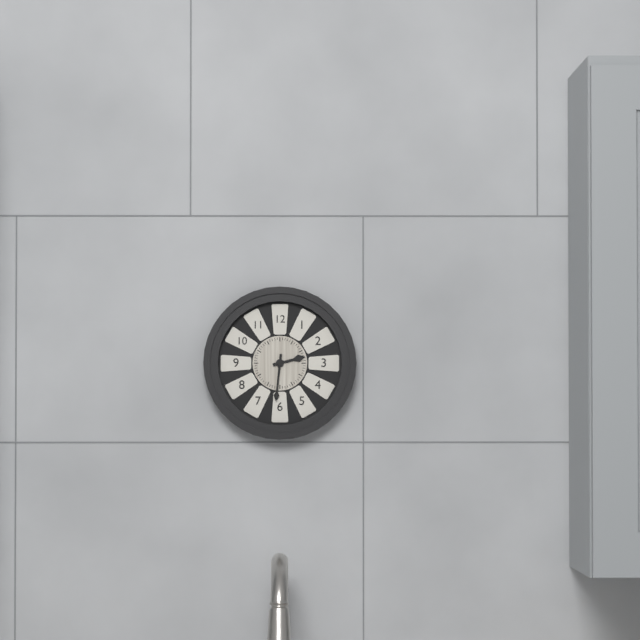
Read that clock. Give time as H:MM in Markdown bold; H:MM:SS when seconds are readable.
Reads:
**2:31**
